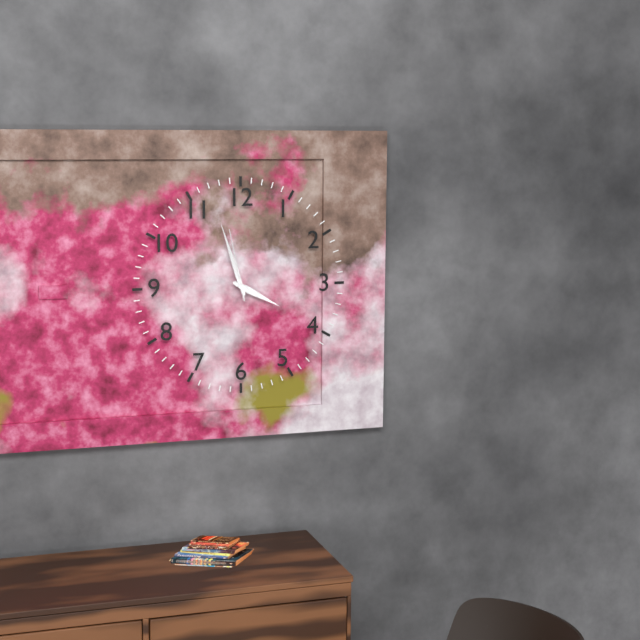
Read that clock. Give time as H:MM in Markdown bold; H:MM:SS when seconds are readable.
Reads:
**3:57:58**
